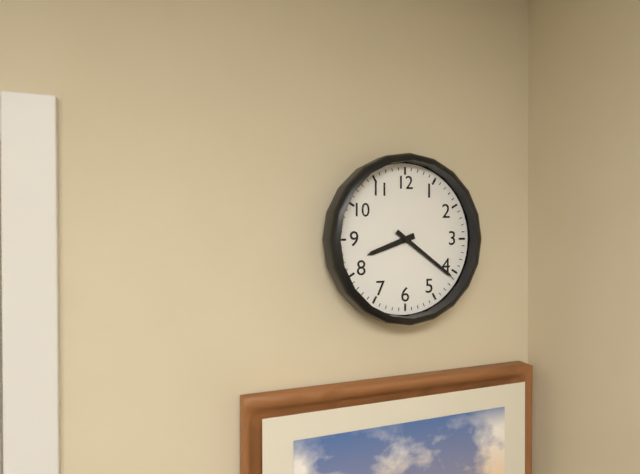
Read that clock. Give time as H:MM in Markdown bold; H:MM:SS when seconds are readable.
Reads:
**8:21**
